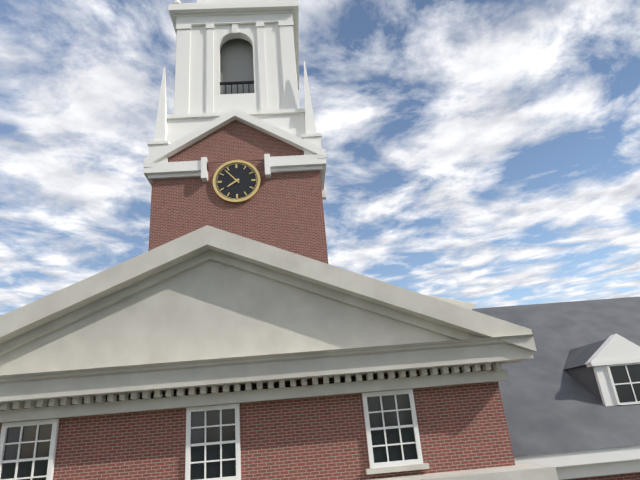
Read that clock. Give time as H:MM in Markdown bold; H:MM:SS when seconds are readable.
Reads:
**7:53**
